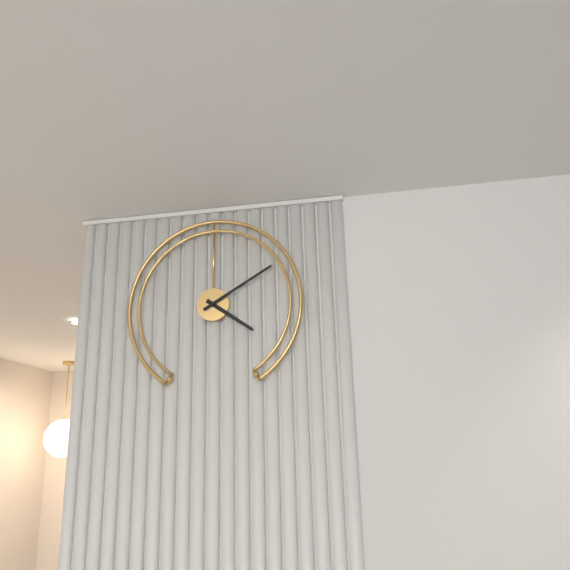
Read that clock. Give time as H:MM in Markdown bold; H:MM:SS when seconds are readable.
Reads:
**4:10**
